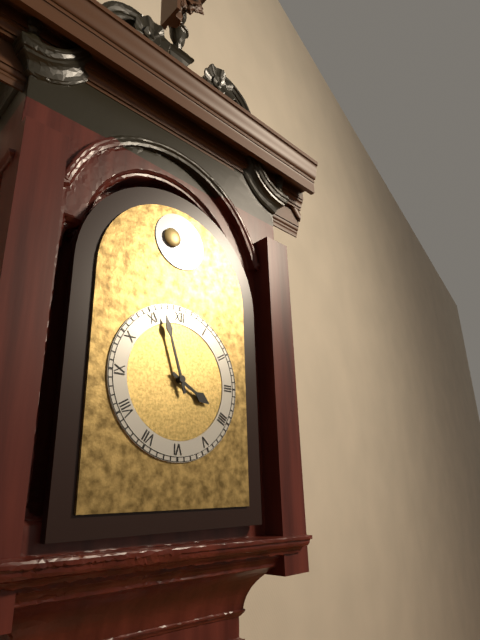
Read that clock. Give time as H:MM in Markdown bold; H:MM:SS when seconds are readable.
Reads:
**3:57**
